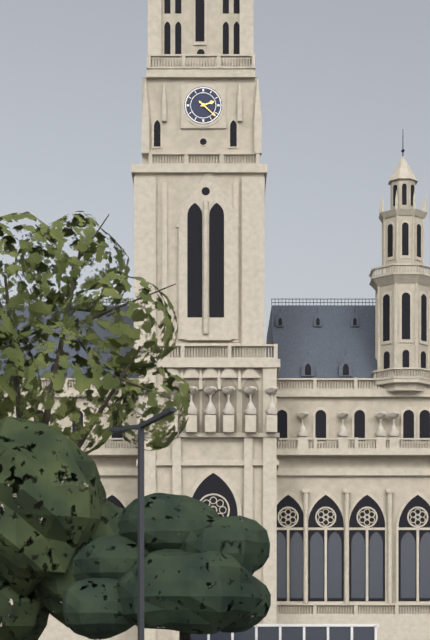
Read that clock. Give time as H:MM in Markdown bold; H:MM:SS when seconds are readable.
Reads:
**2:22**
